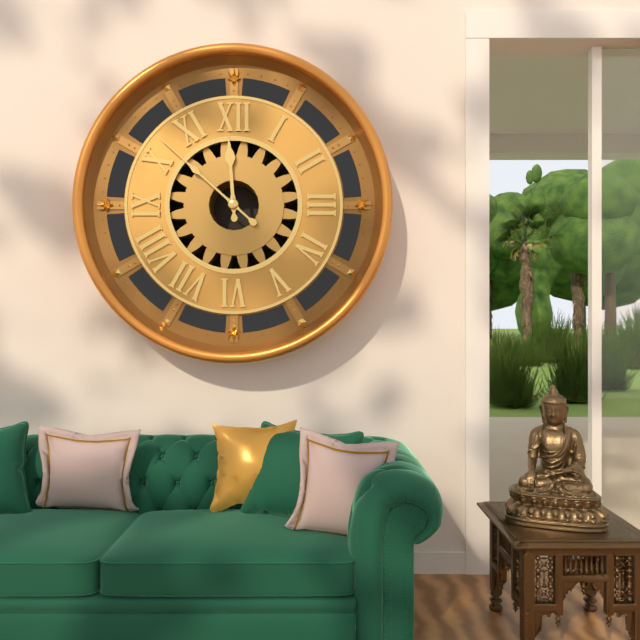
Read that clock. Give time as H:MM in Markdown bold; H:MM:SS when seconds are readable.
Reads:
**11:52**
